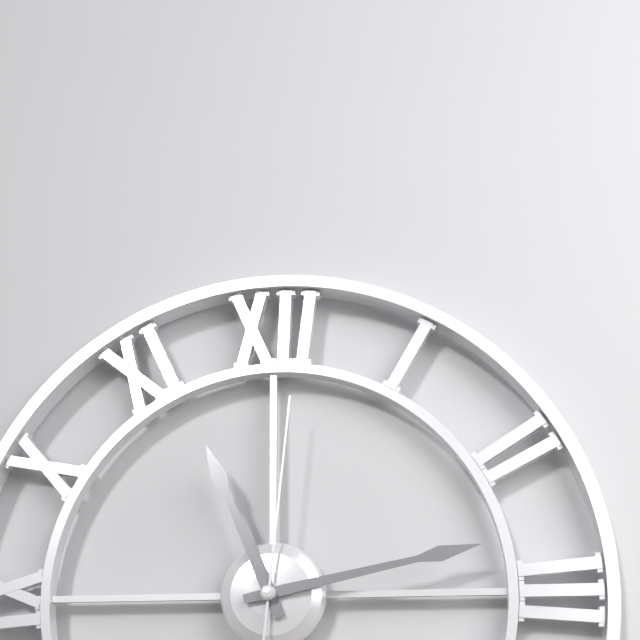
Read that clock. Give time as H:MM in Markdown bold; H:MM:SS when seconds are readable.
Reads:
**11:13:01**
